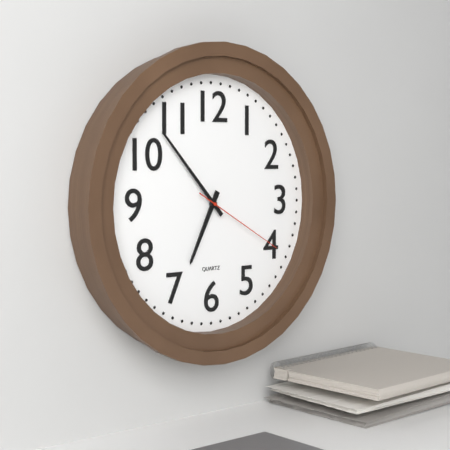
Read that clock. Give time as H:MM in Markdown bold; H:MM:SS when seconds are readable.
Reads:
**6:53:20**
